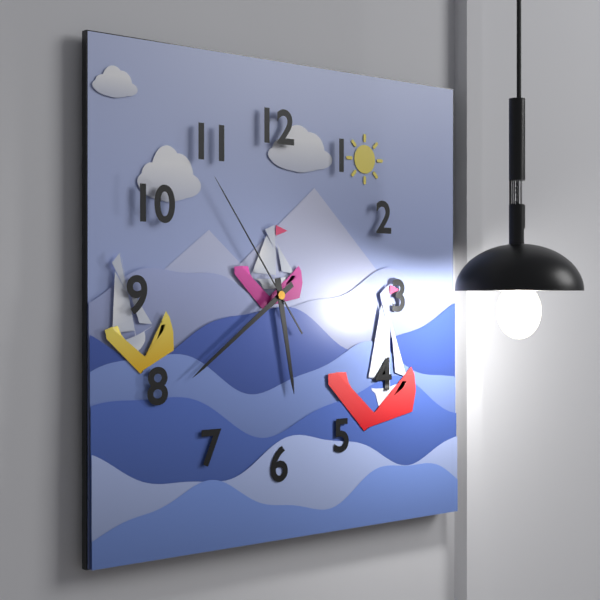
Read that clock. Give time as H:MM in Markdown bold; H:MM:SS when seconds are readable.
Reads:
**5:39:54**
